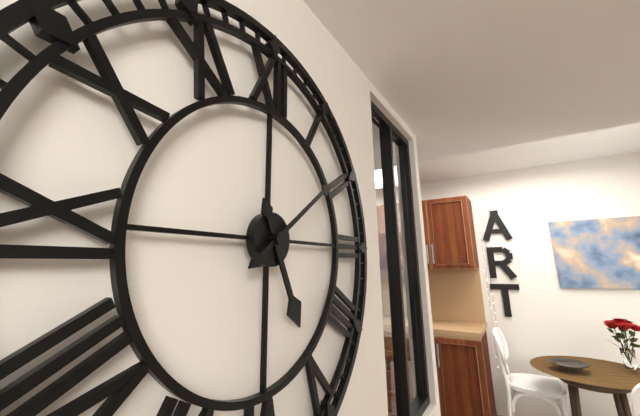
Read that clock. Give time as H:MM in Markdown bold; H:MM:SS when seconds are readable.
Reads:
**5:09**
